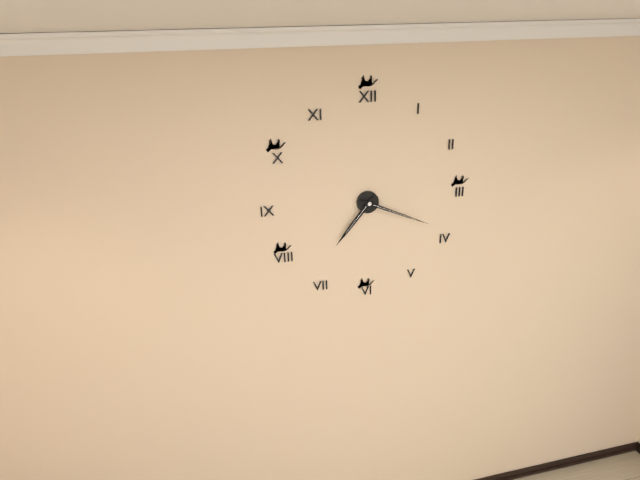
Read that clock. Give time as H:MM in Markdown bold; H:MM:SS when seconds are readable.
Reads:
**7:19**
